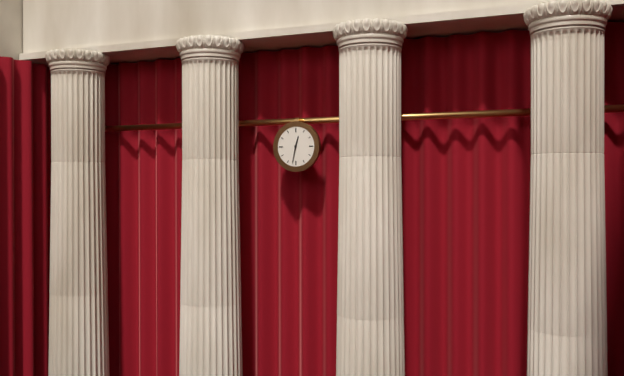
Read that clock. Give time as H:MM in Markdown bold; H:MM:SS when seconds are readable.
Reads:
**12:32**
